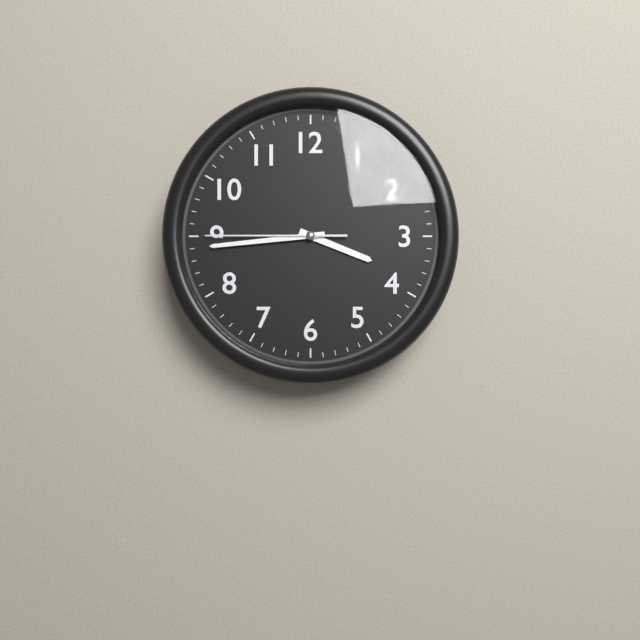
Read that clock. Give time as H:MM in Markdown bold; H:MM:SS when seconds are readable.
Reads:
**3:44:45**
